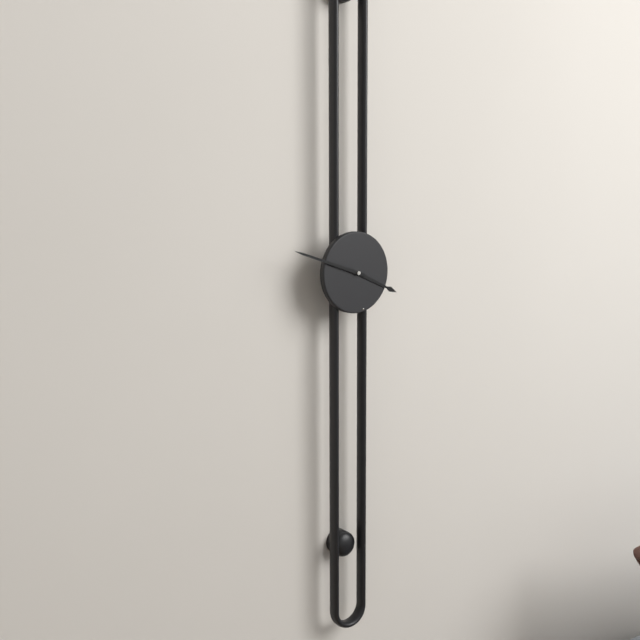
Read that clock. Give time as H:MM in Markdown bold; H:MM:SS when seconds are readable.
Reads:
**3:48**
